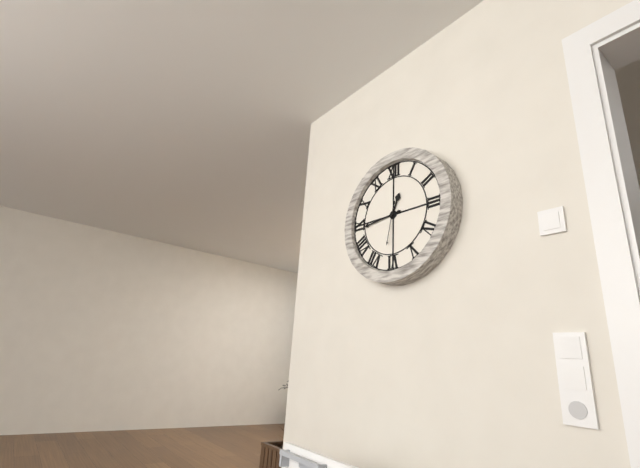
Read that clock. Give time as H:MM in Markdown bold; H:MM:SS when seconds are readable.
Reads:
**12:44**
